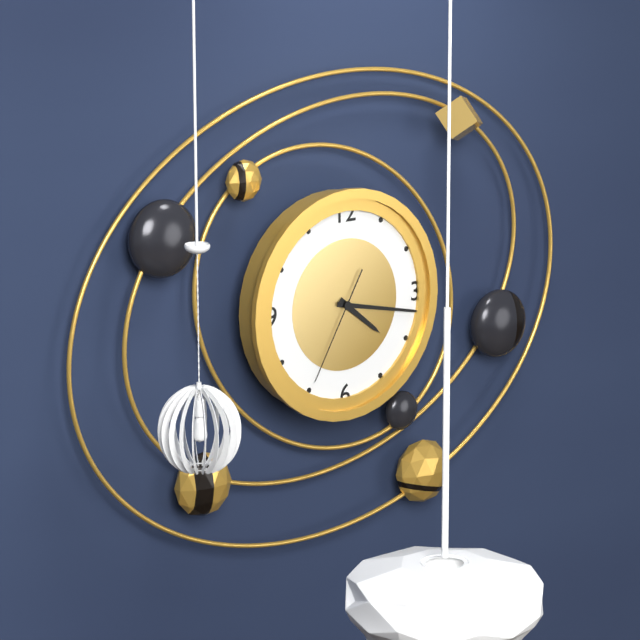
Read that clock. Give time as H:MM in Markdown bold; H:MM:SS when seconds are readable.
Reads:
**4:17:35**
